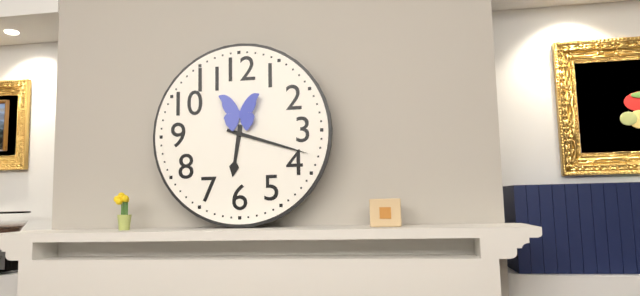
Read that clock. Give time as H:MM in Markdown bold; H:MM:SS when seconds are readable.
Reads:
**6:18**
